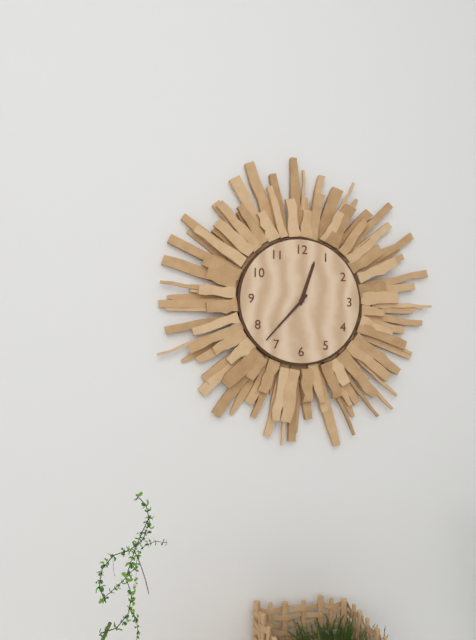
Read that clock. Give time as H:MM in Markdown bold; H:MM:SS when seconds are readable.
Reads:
**12:37**
